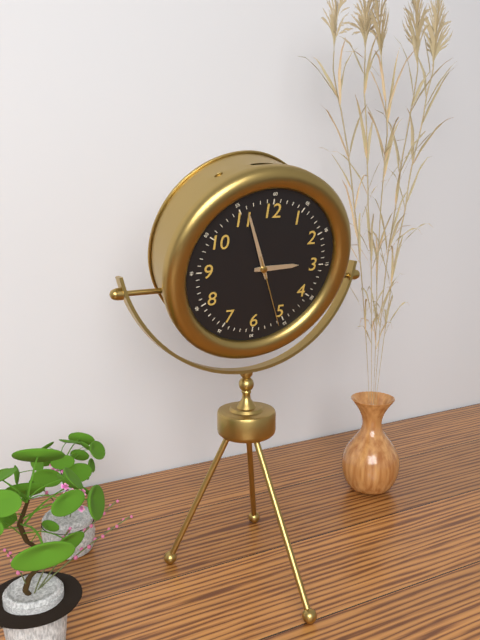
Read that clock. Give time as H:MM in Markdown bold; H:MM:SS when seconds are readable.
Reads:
**2:56:26**
